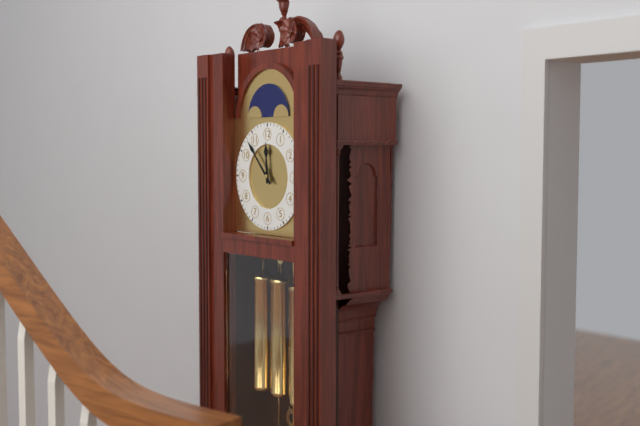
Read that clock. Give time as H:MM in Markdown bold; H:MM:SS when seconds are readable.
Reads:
**11:53**
